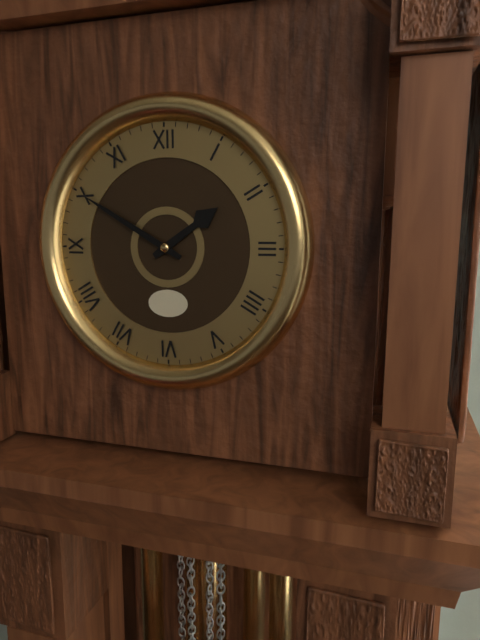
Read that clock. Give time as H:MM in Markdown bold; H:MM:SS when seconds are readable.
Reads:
**1:50**
